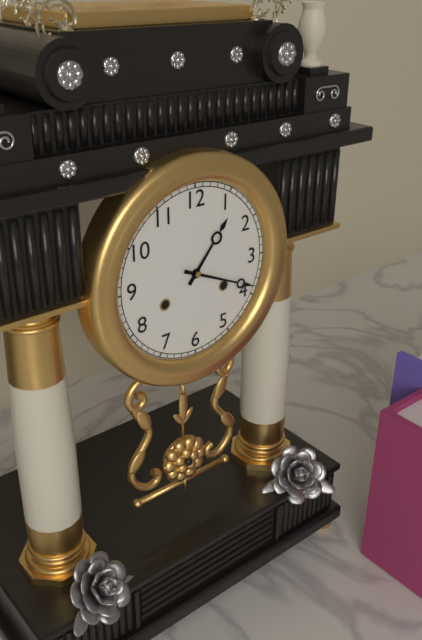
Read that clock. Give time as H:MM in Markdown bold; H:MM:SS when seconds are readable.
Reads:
**1:19**
